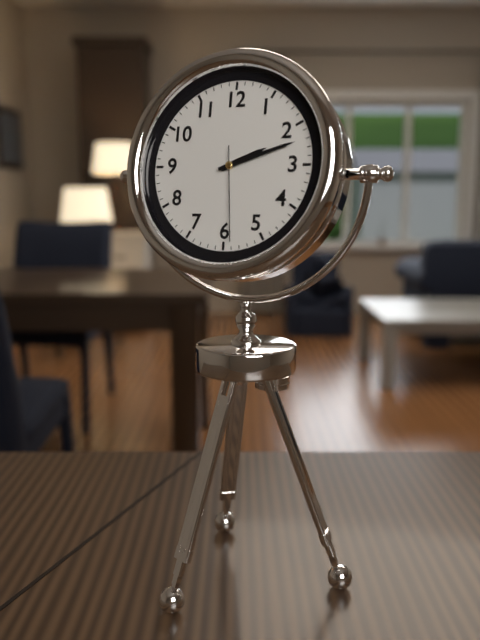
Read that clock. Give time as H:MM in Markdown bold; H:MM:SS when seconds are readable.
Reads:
**2:12:29**
